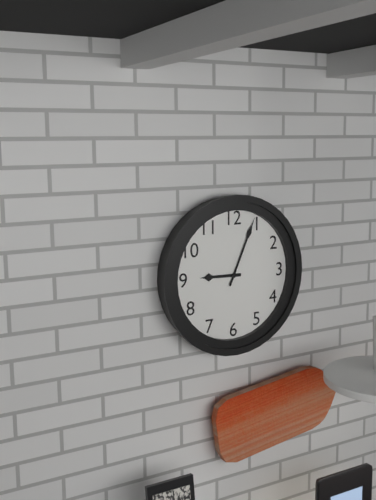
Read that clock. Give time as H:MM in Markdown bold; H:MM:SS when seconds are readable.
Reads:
**9:04**
